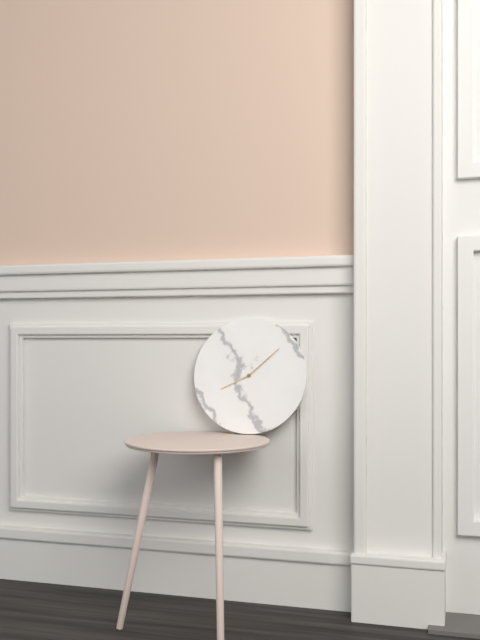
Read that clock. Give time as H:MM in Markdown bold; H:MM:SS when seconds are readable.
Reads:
**8:08**
